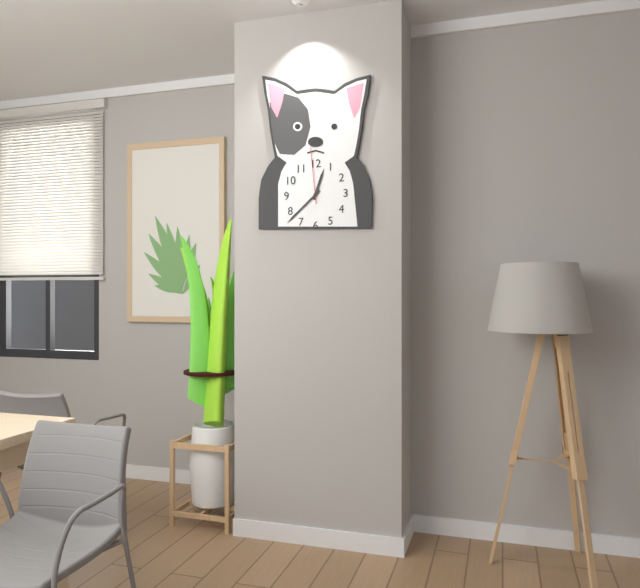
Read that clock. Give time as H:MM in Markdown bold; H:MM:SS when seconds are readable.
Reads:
**12:38:59**
